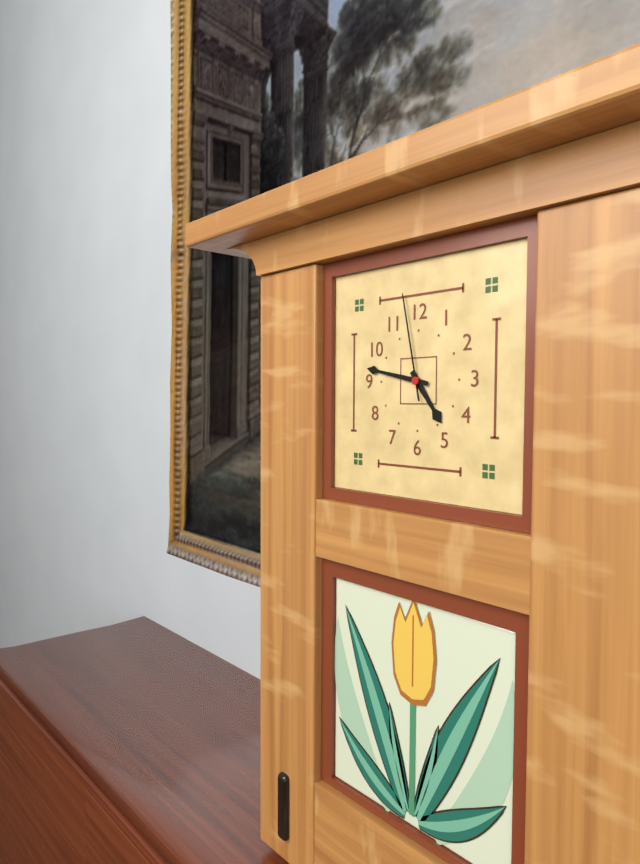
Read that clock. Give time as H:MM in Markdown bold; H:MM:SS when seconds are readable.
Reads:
**4:47:58**
